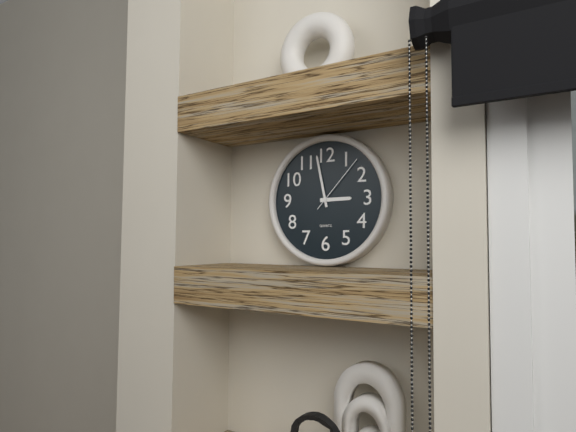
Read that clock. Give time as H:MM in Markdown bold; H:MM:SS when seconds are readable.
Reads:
**2:58:07**
